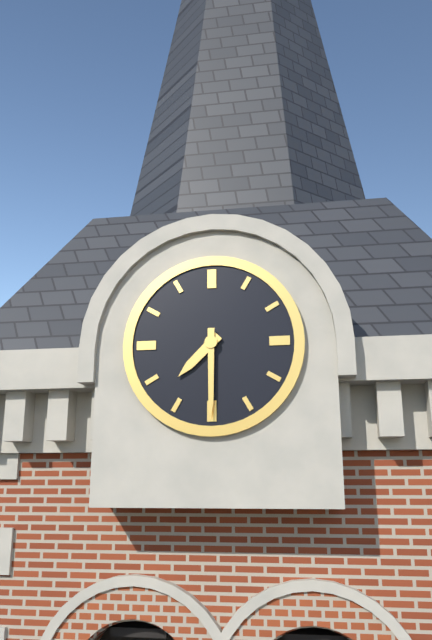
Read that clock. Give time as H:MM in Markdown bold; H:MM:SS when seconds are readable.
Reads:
**7:30**
